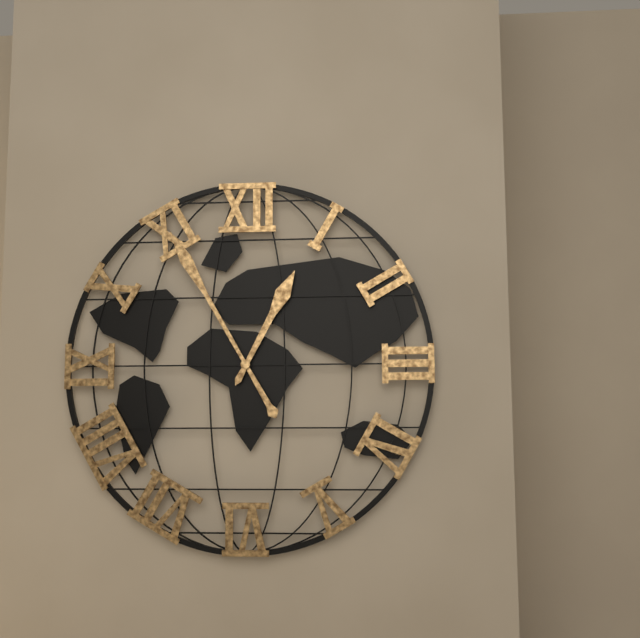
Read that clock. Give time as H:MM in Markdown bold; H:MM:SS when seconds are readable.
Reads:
**12:55**
